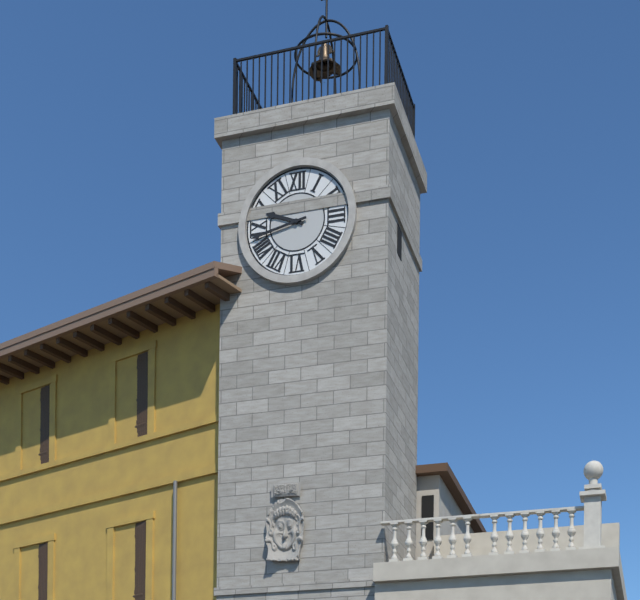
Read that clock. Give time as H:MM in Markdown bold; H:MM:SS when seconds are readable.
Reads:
**9:43**
